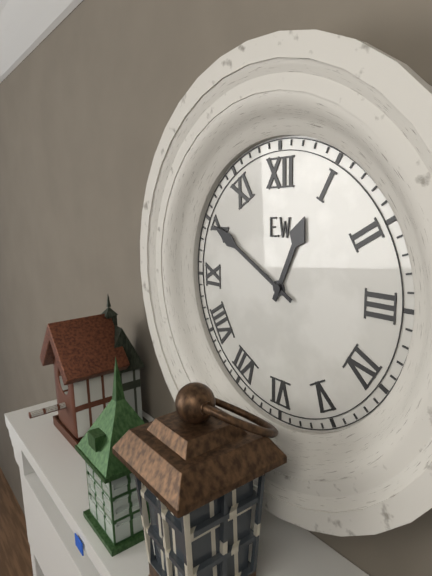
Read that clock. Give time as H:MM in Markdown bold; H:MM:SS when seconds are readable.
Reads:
**12:50**
